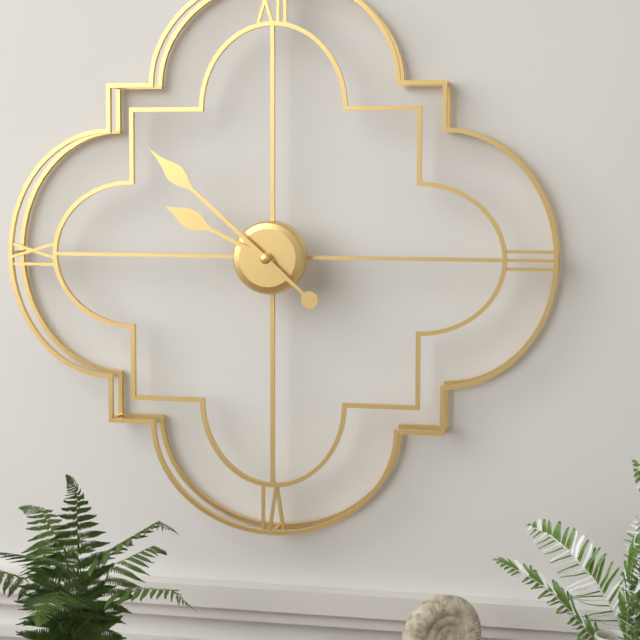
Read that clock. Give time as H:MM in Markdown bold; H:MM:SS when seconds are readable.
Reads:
**9:52**
